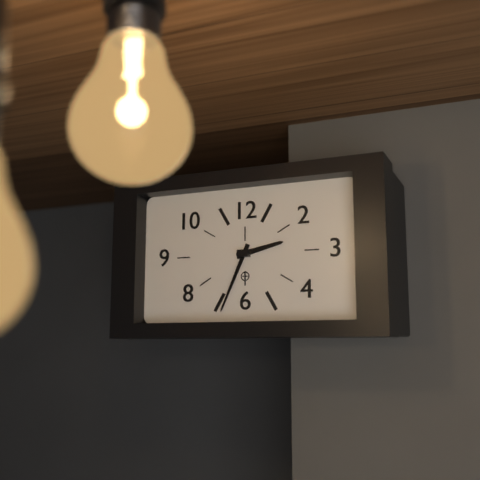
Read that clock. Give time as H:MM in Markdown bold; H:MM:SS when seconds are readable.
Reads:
**2:34**
